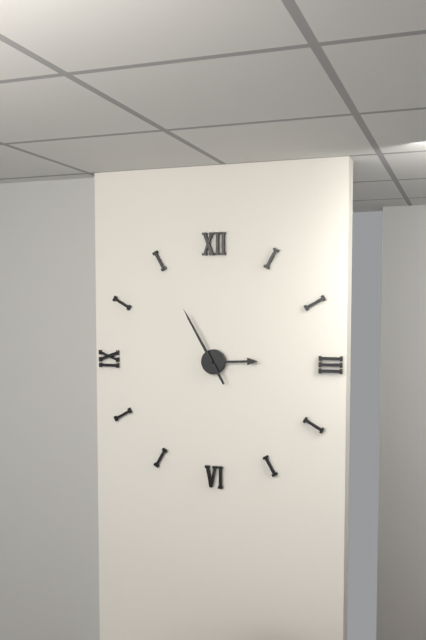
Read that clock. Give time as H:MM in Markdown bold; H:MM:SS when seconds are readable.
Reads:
**2:55**
